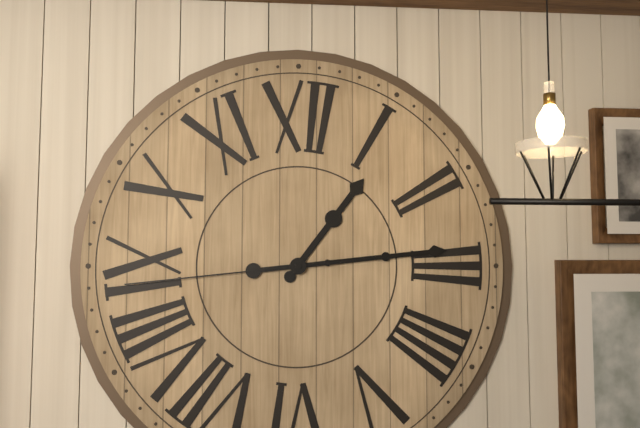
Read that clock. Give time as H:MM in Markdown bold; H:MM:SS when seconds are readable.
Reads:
**1:14:44**
